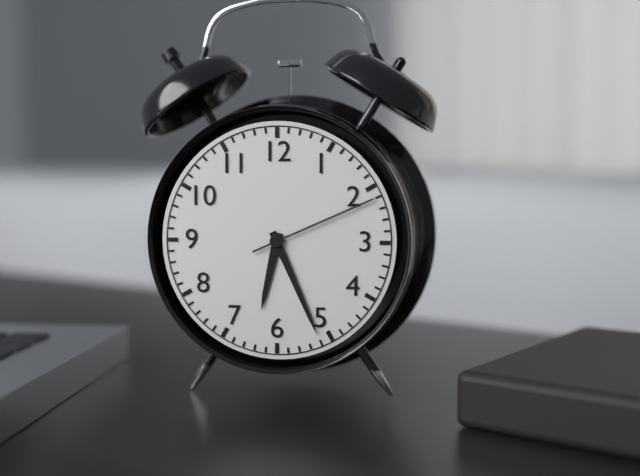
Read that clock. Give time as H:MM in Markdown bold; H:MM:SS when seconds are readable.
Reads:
**6:26:11**
